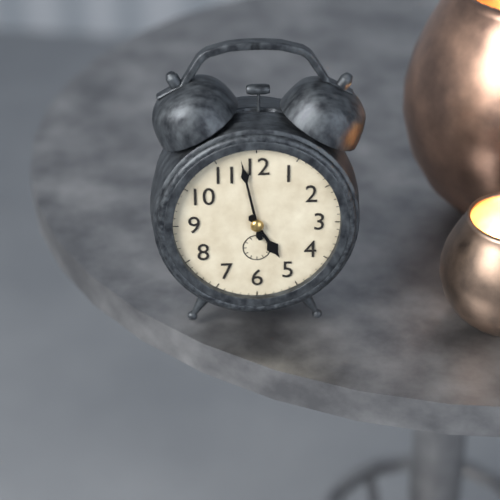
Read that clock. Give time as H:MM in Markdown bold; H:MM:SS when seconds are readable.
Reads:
**4:58**
